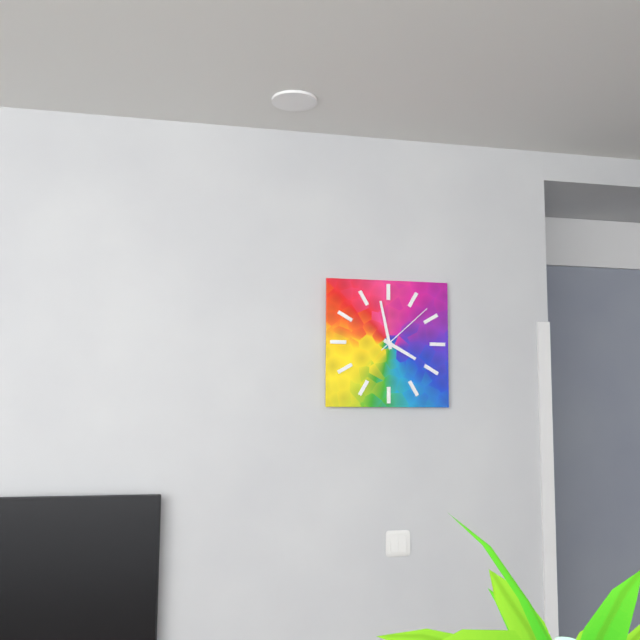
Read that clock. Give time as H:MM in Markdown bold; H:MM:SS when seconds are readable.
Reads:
**3:58:08**
